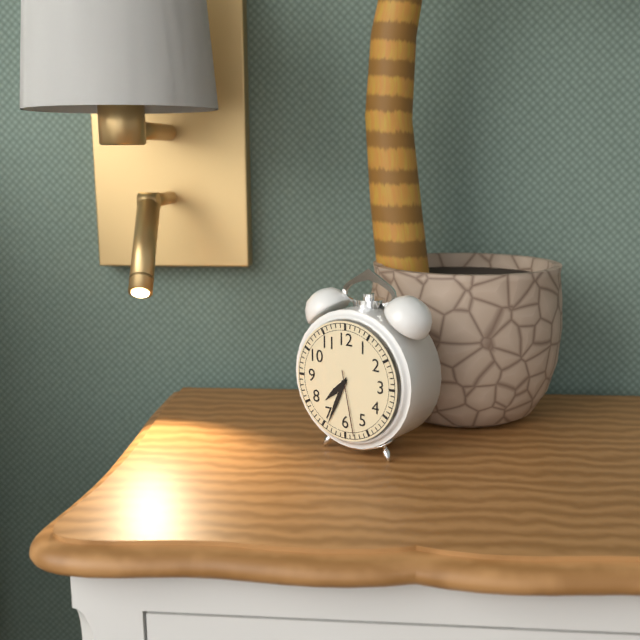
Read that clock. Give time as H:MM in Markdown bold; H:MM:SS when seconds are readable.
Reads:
**7:34:28**
